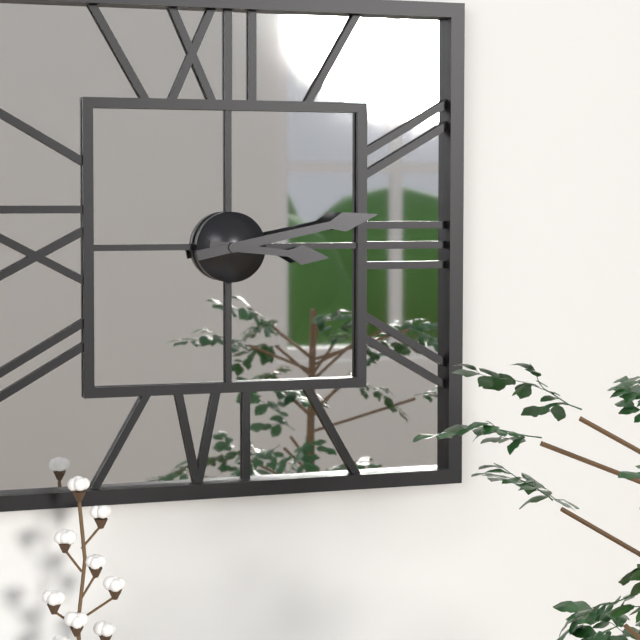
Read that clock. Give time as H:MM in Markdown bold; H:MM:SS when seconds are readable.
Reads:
**3:13**
